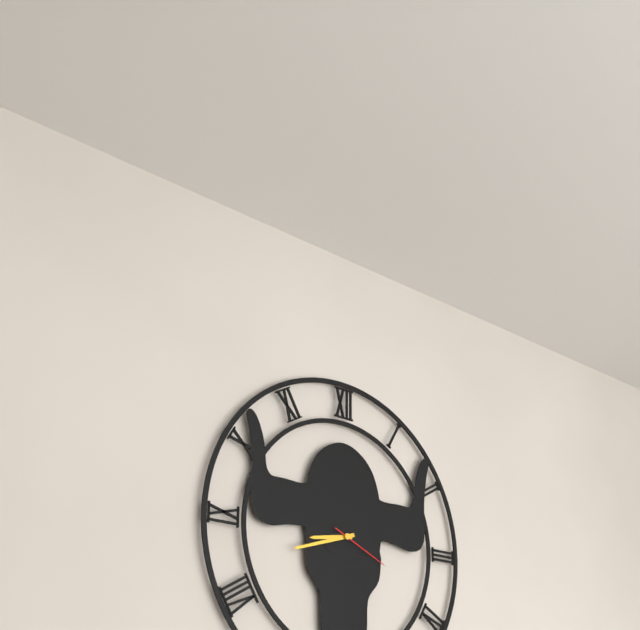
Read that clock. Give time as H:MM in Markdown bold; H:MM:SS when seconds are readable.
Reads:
**8:42:19**
